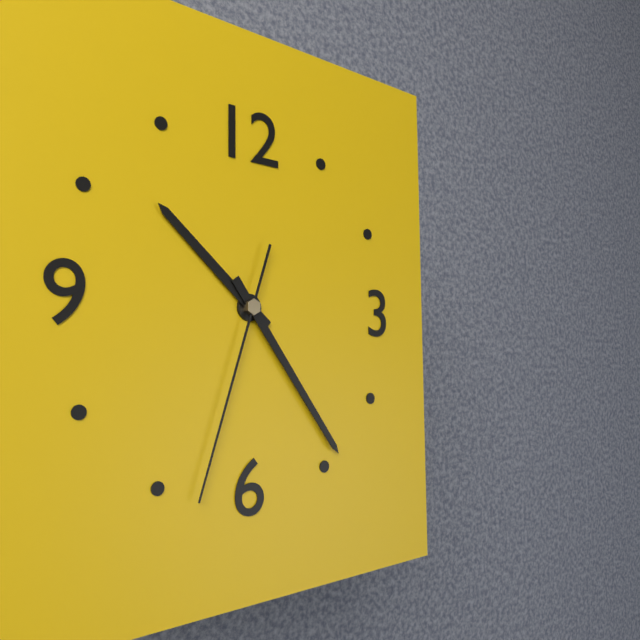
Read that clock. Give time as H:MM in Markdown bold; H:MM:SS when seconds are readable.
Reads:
**10:24:33**
